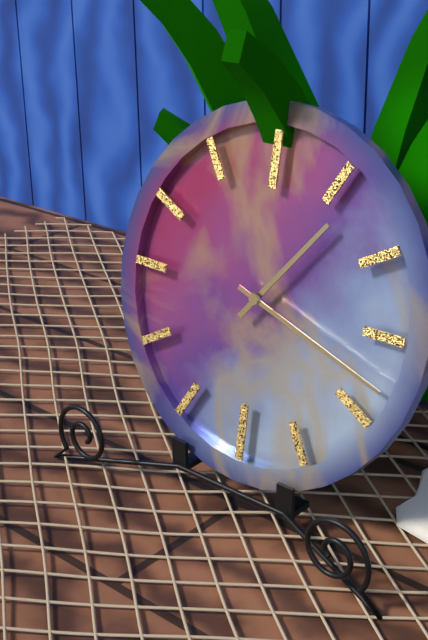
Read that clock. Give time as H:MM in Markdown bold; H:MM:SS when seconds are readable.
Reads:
**1:18**
